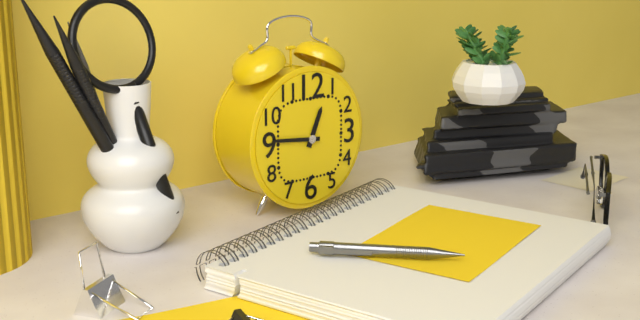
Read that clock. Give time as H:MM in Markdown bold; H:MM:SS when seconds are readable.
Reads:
**12:46**
